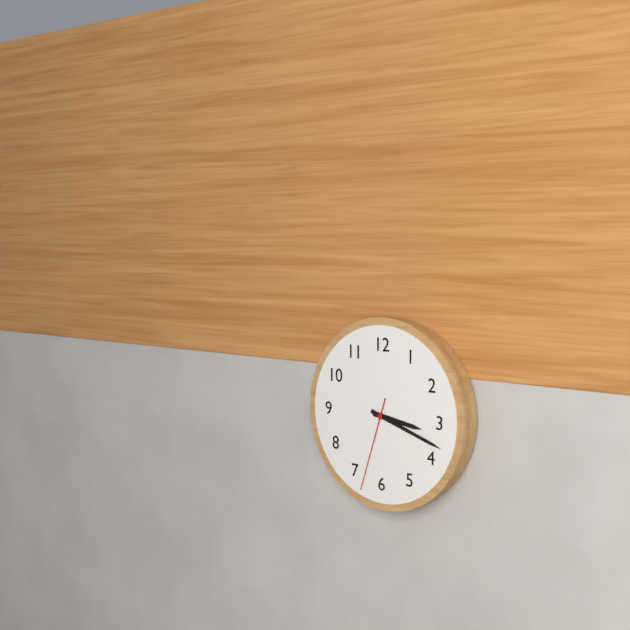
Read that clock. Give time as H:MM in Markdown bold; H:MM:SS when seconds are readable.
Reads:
**3:18:33**
